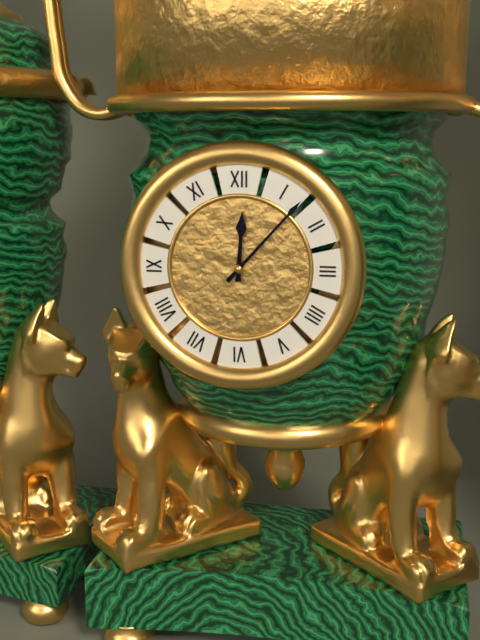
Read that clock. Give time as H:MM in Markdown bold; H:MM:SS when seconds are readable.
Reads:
**12:07**
